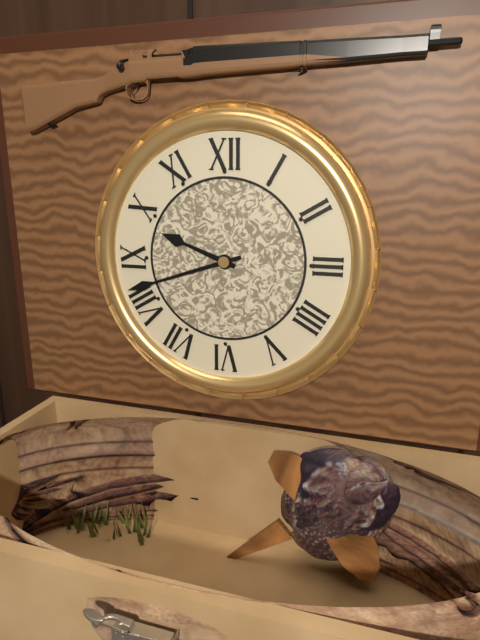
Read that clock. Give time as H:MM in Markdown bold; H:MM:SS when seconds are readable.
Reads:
**9:42**
